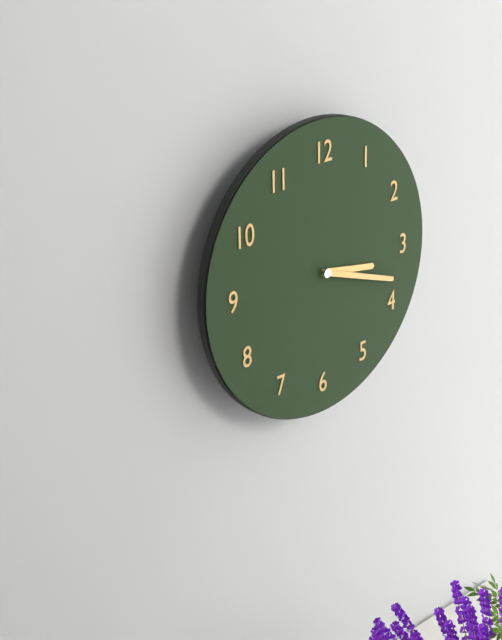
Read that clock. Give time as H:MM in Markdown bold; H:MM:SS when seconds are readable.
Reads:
**3:18**
